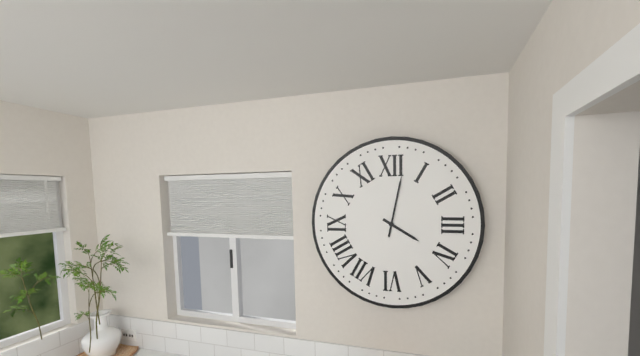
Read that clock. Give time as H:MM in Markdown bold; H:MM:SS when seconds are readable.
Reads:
**4:02**
